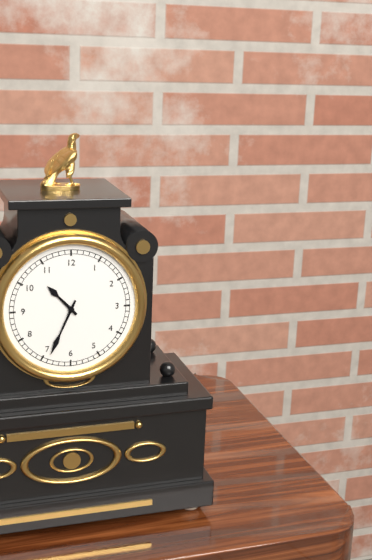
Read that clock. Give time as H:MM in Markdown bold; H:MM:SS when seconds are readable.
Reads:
**10:34**
